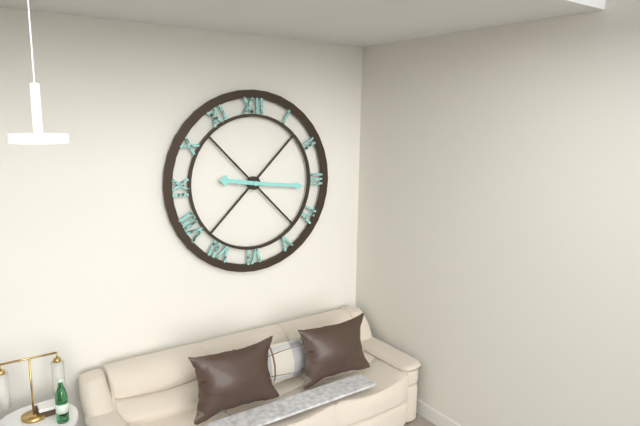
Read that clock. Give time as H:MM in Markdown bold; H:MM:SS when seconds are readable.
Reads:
**9:16**
